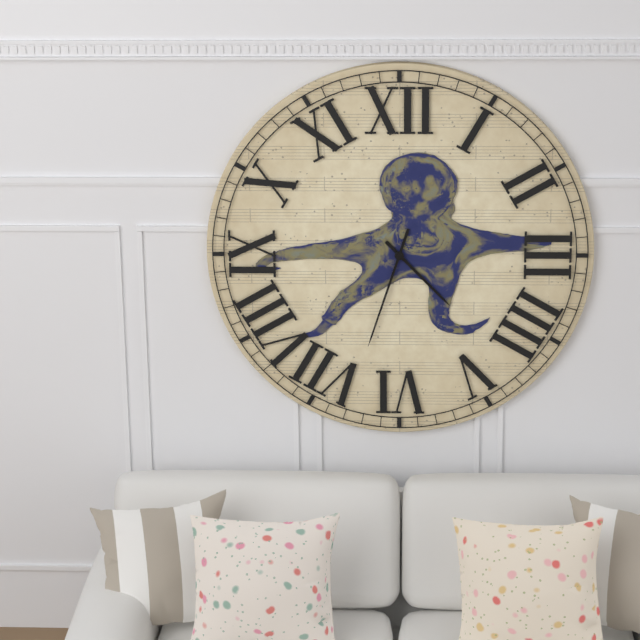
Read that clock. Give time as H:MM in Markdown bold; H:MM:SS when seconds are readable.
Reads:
**4:33**
